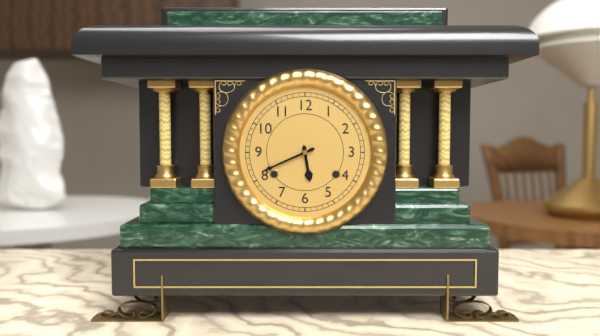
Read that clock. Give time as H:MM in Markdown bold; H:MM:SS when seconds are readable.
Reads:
**5:41**
